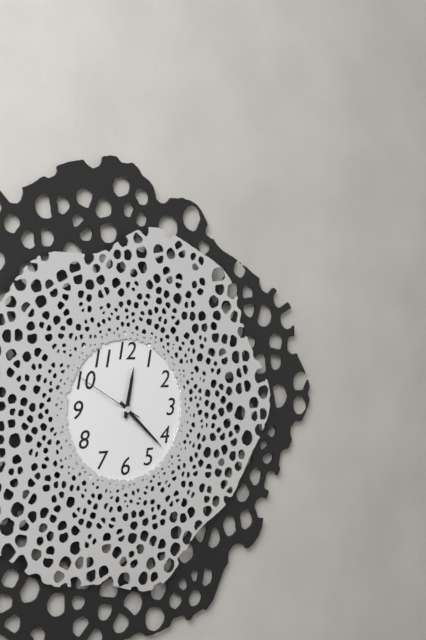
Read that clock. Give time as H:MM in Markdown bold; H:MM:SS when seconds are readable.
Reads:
**12:22:50**
